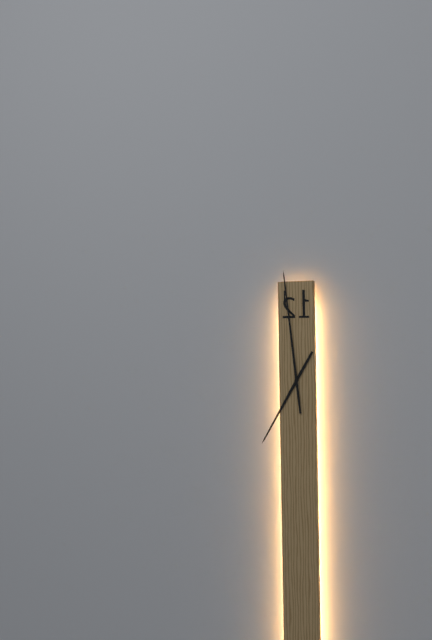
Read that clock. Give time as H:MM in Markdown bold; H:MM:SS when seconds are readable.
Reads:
**6:59**
